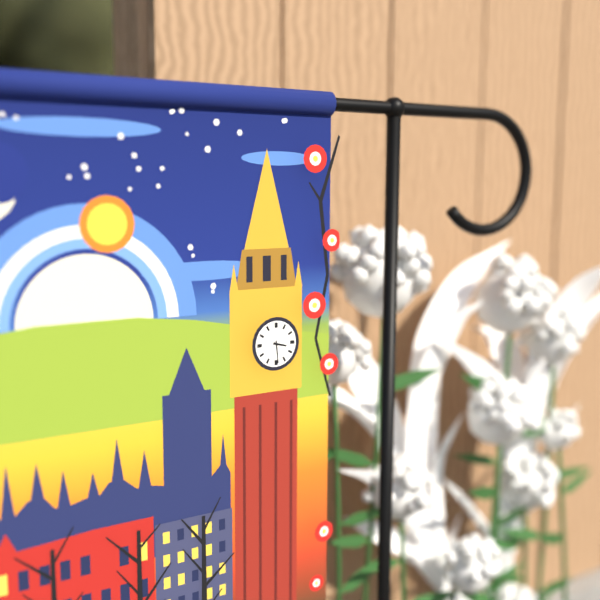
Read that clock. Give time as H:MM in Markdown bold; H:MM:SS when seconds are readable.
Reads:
**3:29**
